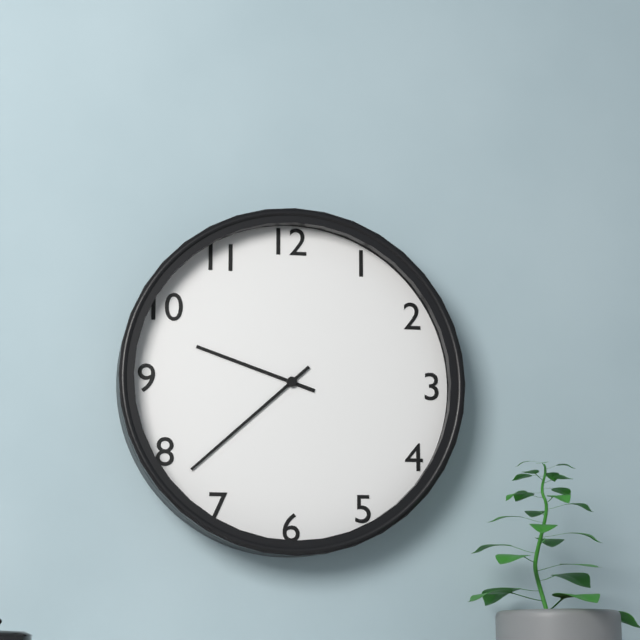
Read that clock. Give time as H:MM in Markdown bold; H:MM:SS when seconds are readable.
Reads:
**9:38**
